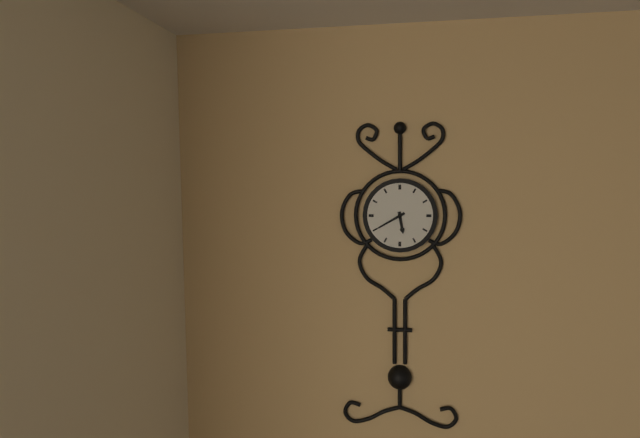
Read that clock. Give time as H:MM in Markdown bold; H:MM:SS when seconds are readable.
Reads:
**5:40**
